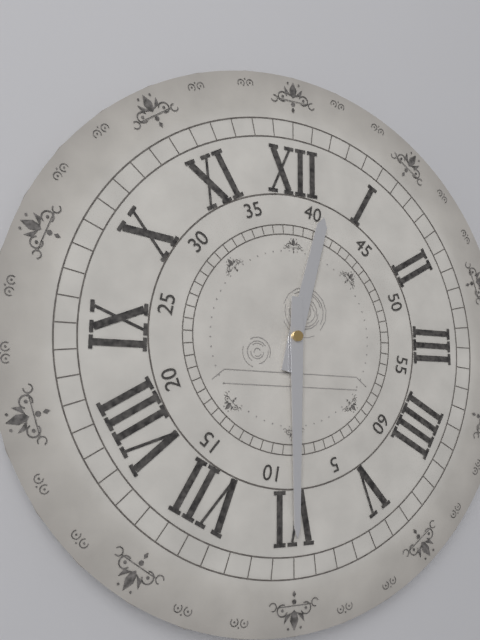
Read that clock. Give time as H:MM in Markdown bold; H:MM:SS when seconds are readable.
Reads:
**12:30**
